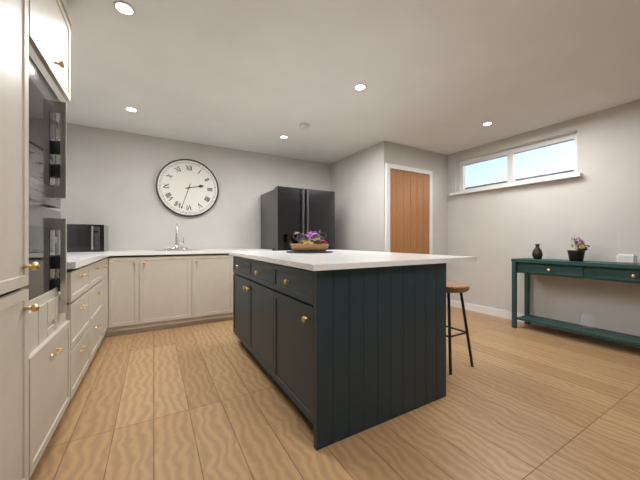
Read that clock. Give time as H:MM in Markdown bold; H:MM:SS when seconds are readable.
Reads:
**2:33**
